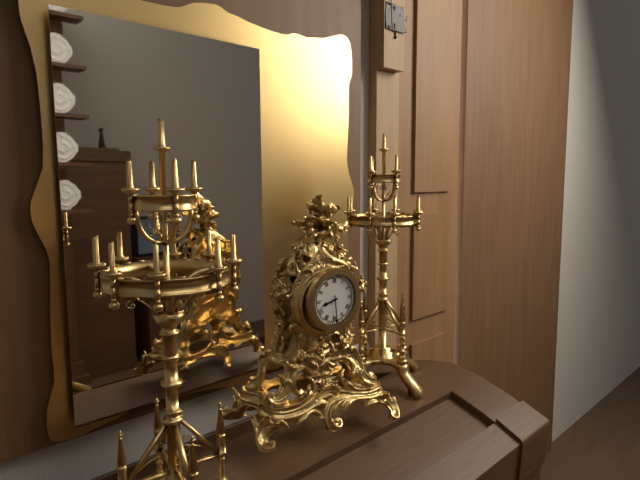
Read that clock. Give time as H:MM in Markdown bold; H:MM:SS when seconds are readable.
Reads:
**8:29**
